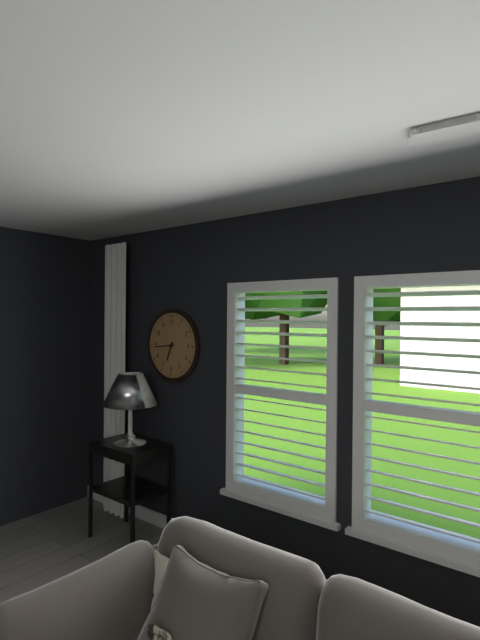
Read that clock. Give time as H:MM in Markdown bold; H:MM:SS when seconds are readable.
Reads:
**6:44**
